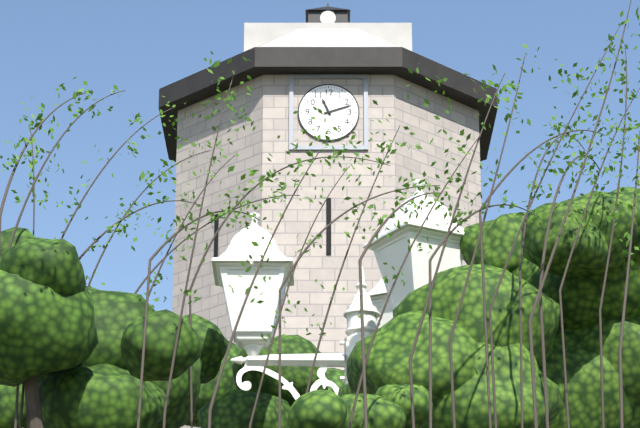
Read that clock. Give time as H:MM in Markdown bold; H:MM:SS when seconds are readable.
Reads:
**11:12**
